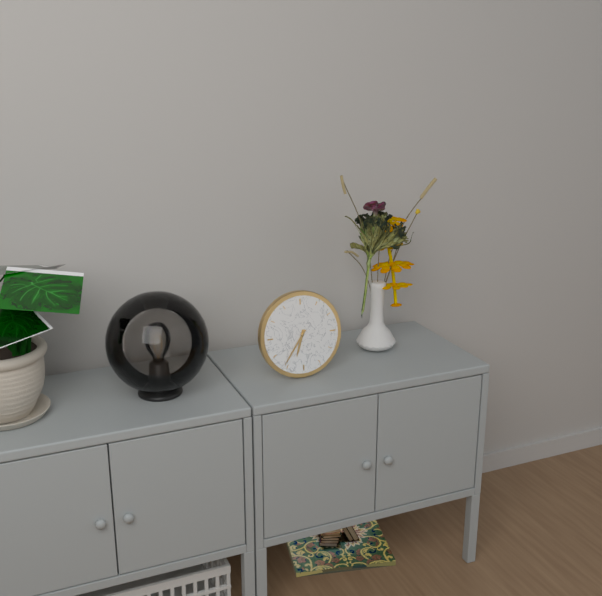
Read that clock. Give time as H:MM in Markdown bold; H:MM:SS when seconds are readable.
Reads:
**6:36**
